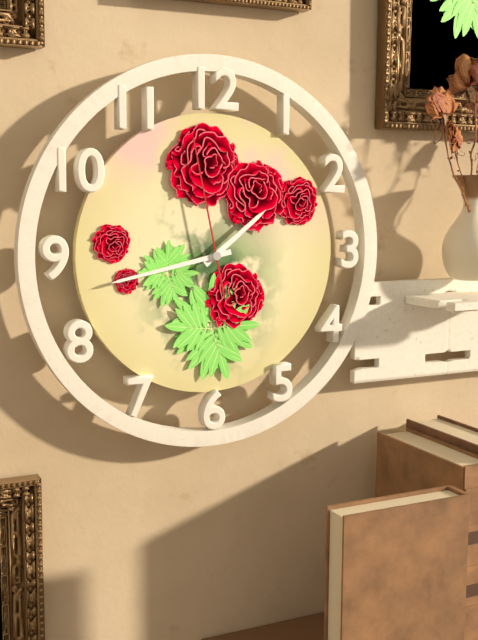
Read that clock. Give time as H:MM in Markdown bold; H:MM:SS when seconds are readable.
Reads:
**1:43:58**
